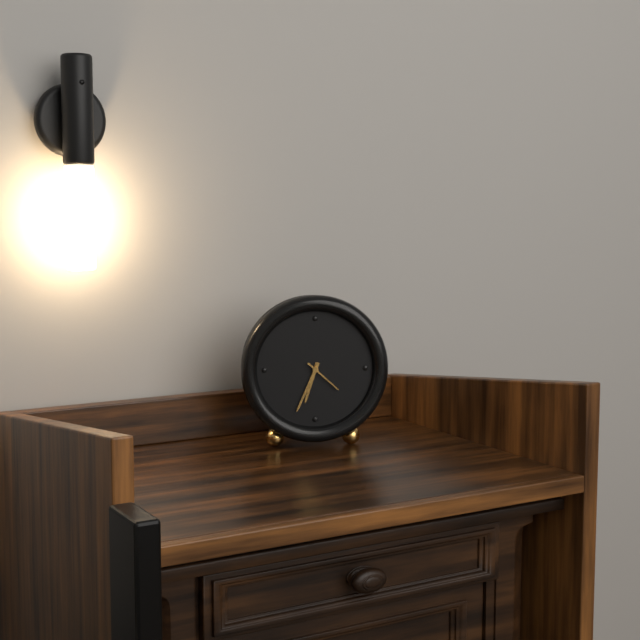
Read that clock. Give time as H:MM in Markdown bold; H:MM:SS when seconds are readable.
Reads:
**6:34**
